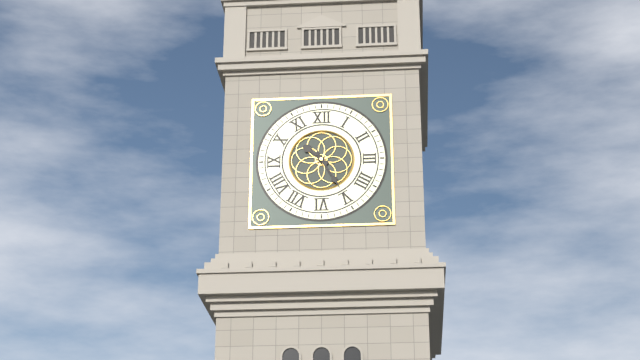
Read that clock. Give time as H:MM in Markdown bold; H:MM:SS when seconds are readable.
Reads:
**10:25**
